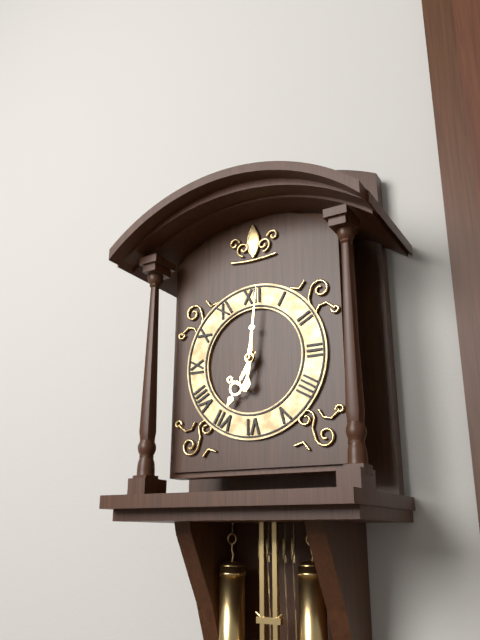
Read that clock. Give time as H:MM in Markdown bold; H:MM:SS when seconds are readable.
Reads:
**7:01**
